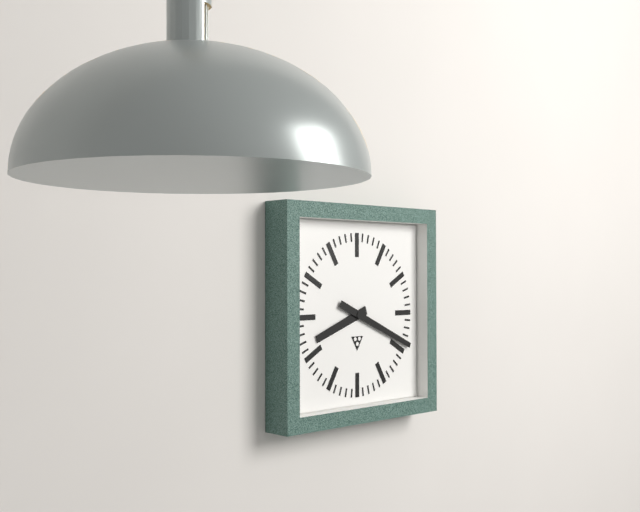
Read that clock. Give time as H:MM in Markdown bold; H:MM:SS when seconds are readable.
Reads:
**8:19**
